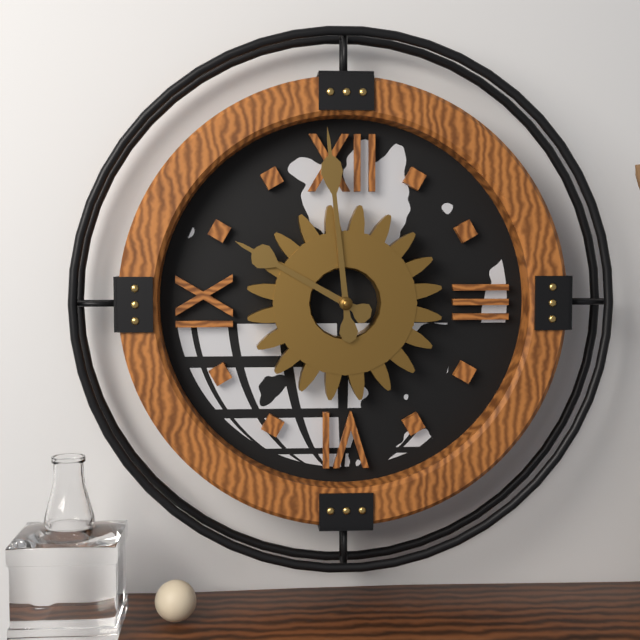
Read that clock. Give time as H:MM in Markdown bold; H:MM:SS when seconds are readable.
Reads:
**9:59**
